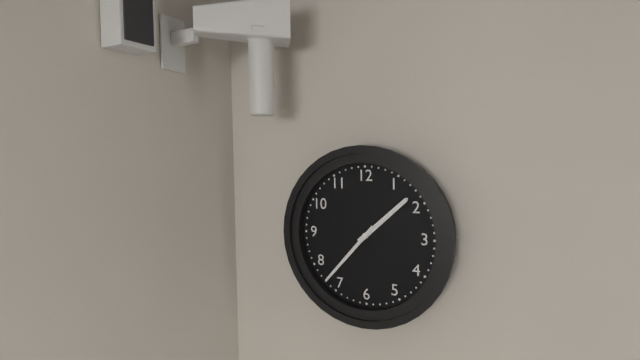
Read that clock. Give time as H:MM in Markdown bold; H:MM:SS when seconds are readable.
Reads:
**1:37**
